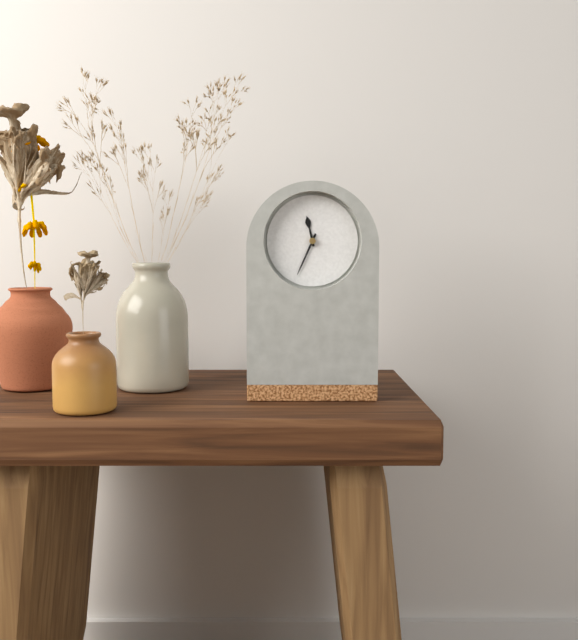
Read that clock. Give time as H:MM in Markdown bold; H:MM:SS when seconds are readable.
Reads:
**11:34**
